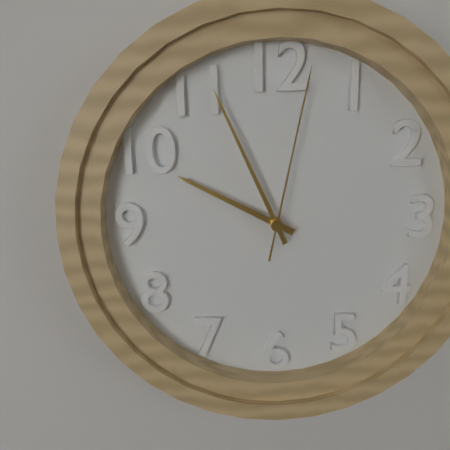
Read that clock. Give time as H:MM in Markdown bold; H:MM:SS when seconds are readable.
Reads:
**9:56:02**
